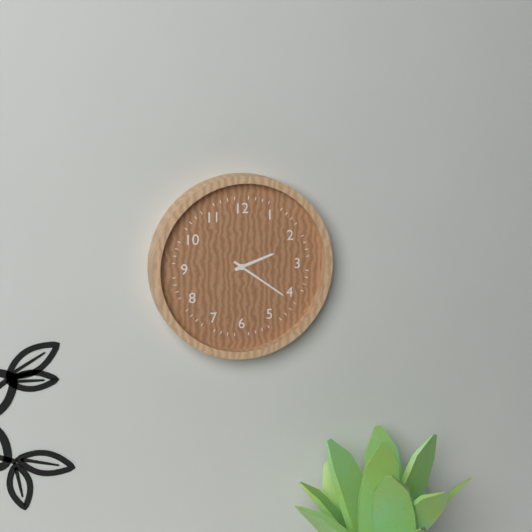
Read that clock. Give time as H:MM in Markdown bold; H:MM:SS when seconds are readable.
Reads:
**2:21**
